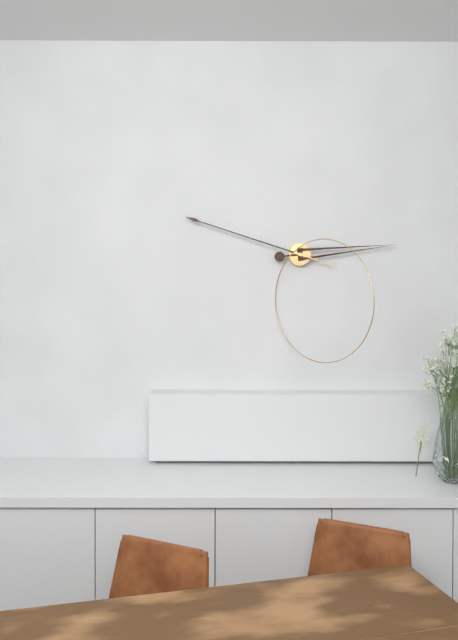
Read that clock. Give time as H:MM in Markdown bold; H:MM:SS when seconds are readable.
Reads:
**2:48**
